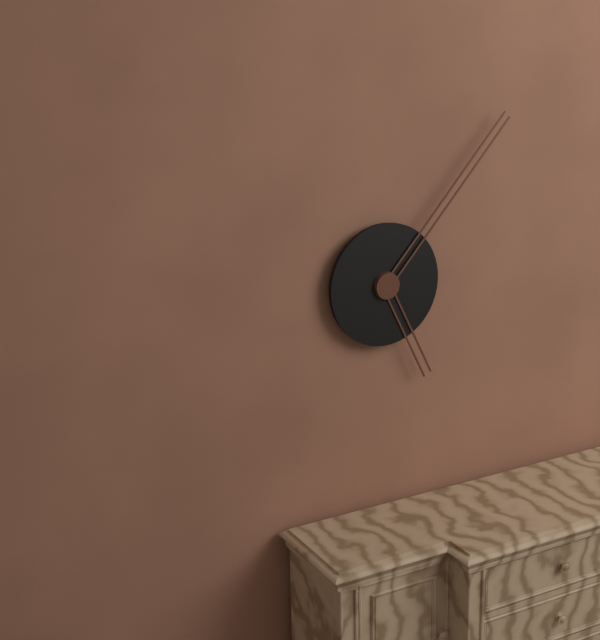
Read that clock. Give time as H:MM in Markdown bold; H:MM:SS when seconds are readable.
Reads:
**5:07**
